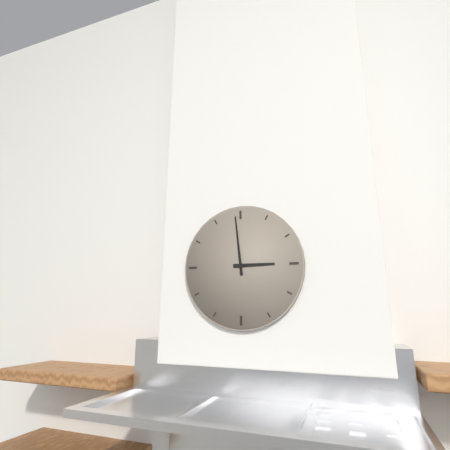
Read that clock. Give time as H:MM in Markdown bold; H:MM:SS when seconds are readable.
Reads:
**2:59**
